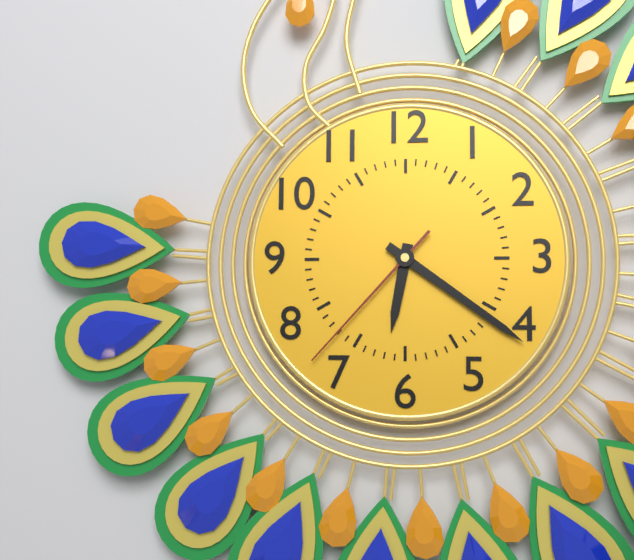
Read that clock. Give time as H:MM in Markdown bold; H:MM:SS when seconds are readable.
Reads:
**6:21:37**
